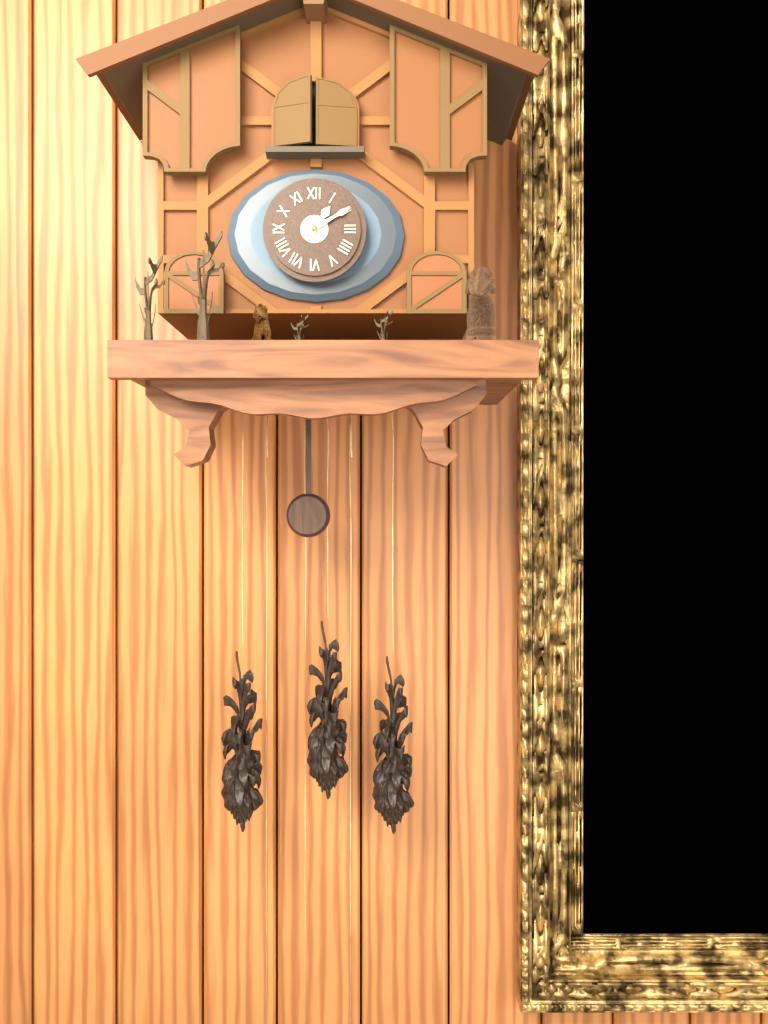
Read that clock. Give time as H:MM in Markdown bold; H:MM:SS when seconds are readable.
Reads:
**1:10**
